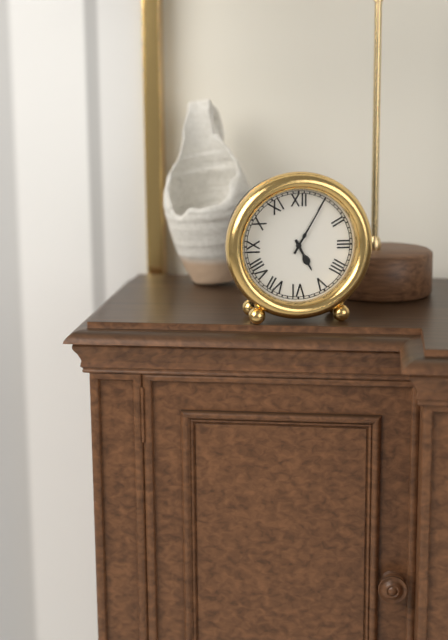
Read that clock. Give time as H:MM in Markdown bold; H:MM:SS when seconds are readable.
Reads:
**5:05**
